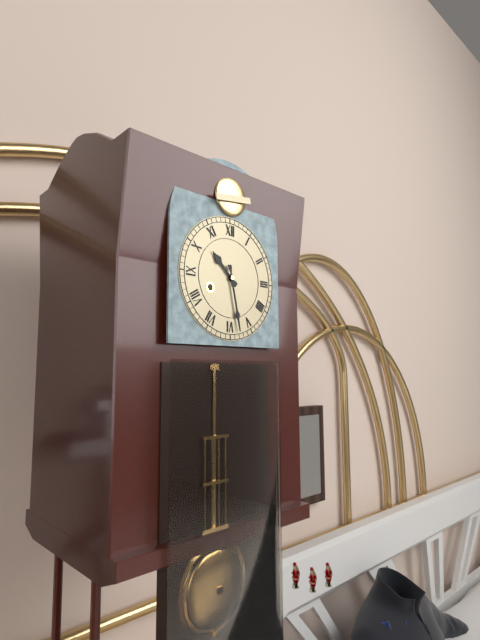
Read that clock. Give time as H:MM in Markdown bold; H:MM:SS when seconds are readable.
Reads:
**10:28**
